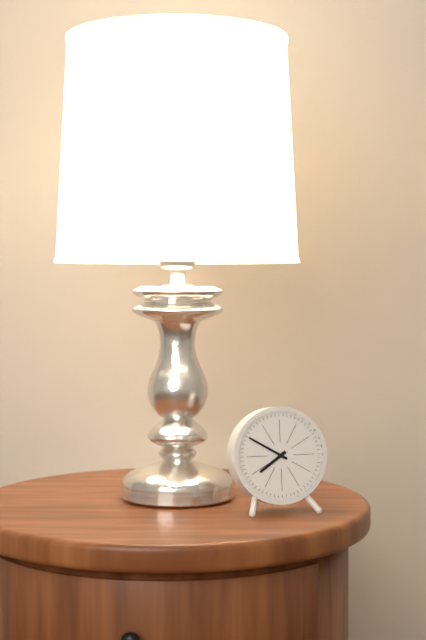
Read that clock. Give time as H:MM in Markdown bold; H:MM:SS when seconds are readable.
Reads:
**7:50**
